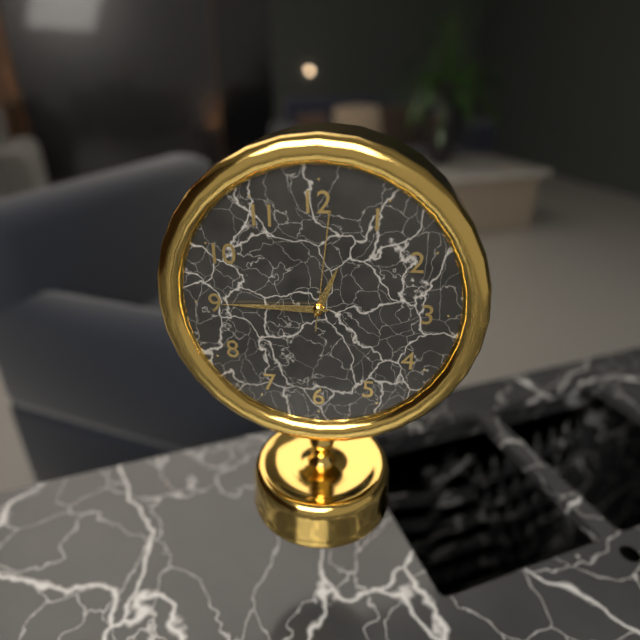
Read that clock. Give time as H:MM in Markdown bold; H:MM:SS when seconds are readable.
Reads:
**12:45:01**
